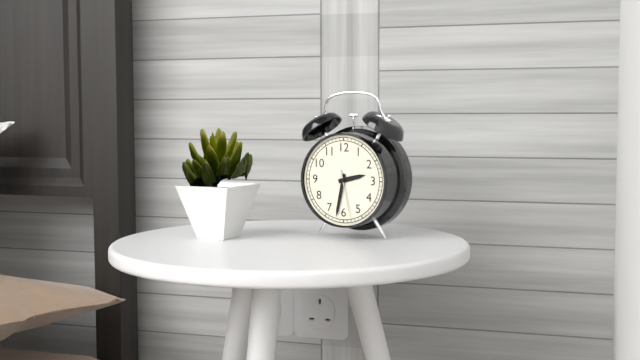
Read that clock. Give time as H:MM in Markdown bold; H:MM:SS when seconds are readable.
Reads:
**2:32**
